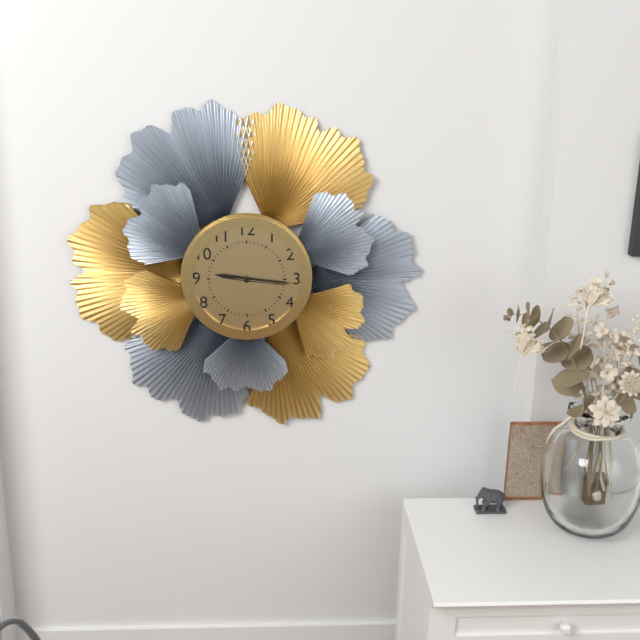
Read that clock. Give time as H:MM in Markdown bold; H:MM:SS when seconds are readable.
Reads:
**9:16:16**
